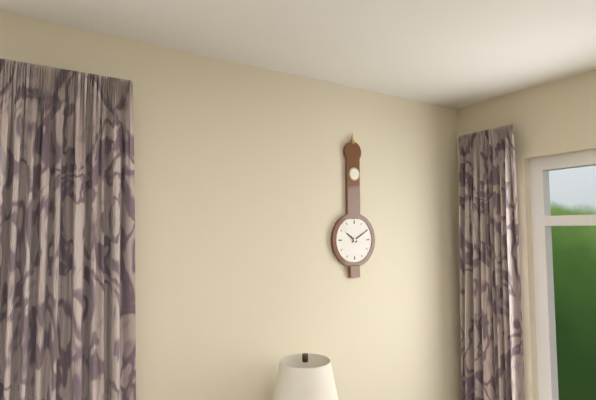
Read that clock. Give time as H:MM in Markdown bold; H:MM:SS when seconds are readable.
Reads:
**10:10**
